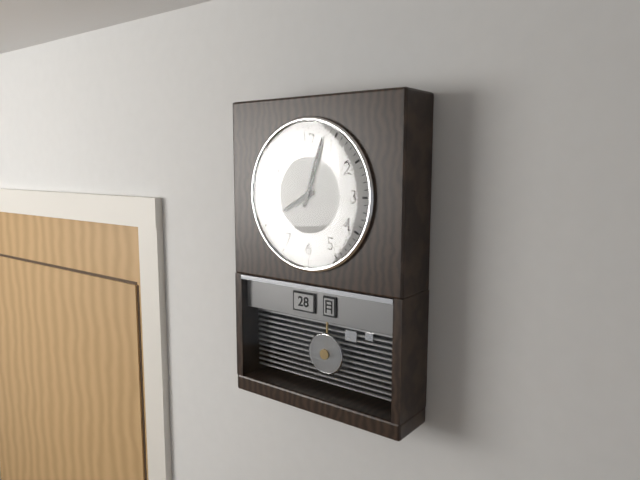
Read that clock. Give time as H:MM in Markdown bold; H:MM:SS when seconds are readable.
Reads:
**8:03**
